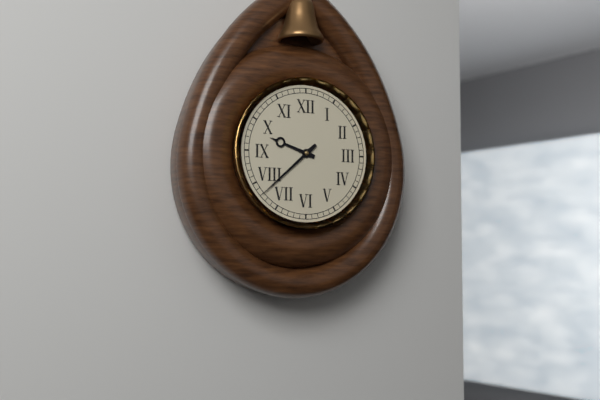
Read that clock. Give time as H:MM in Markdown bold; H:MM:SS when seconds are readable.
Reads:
**9:38**
